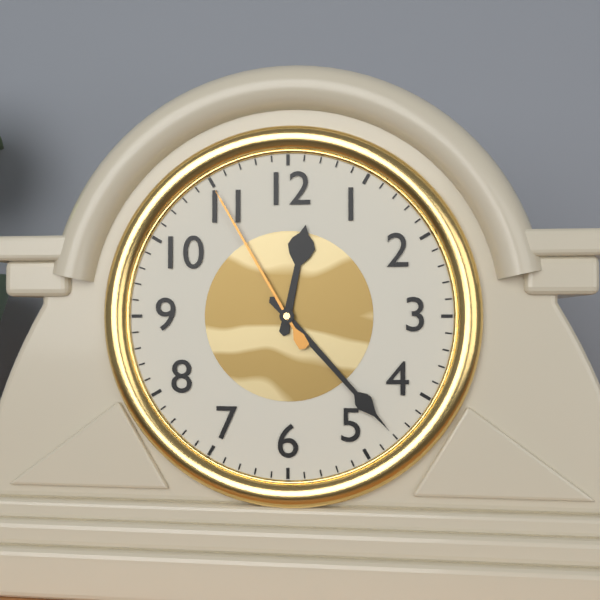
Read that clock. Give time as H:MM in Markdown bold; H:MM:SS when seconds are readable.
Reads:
**12:23:55**
